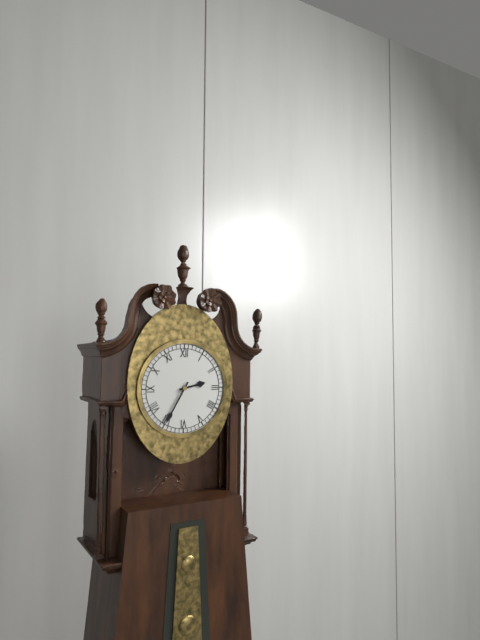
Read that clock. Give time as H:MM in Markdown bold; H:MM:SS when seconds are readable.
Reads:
**2:35**
